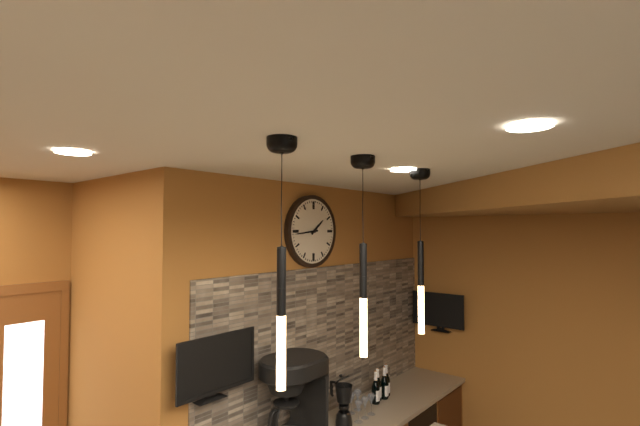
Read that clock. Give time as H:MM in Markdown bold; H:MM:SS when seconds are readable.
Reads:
**1:44**
